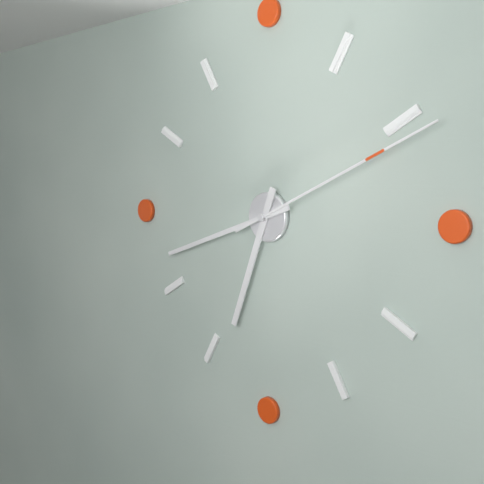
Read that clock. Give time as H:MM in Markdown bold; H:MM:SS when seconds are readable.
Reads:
**6:42:11**
